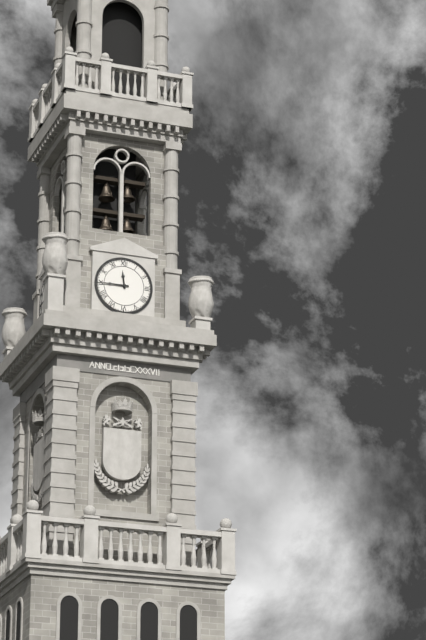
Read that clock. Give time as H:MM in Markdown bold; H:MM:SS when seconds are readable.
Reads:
**11:45**
